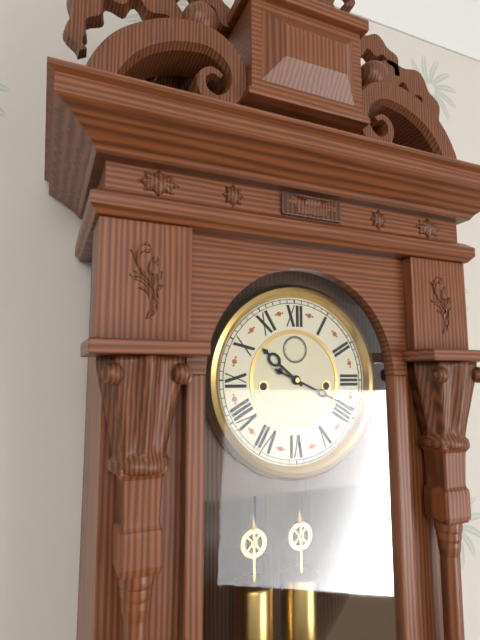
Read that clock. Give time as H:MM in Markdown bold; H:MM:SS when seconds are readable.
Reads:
**10:19**
